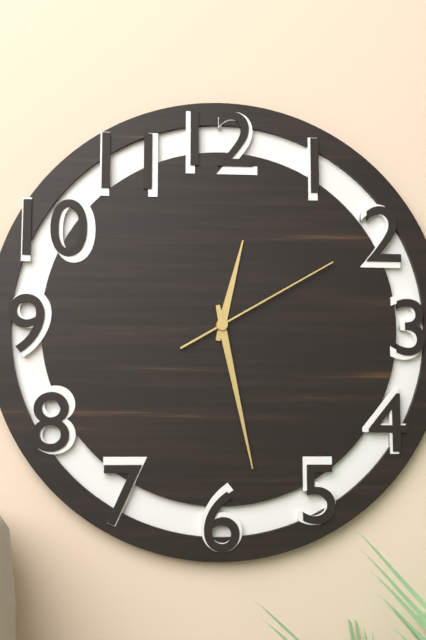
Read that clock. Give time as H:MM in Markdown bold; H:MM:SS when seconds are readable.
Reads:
**12:28:10**
